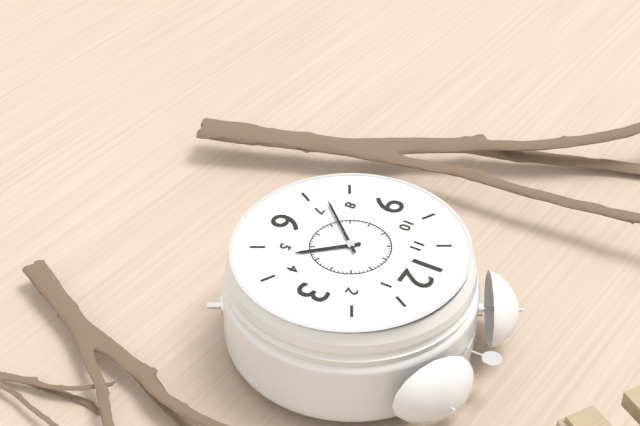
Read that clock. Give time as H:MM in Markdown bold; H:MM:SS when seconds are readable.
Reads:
**4:37**
